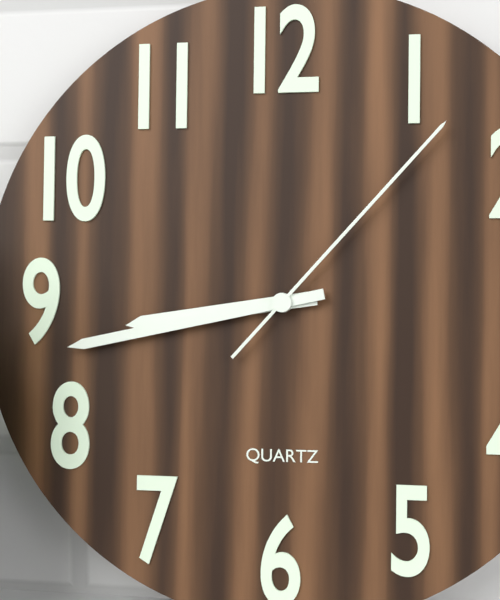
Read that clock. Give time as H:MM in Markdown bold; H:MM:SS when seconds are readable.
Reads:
**8:43:07**
